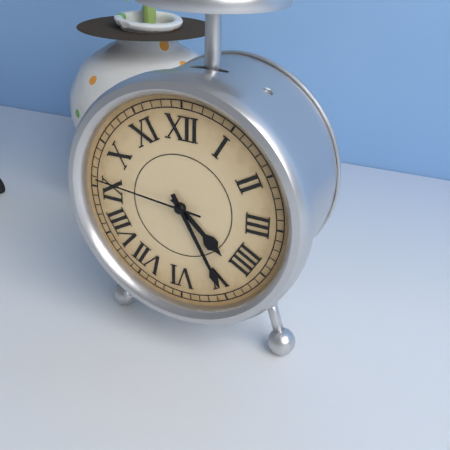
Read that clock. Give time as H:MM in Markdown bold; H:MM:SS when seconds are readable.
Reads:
**4:25:46**
